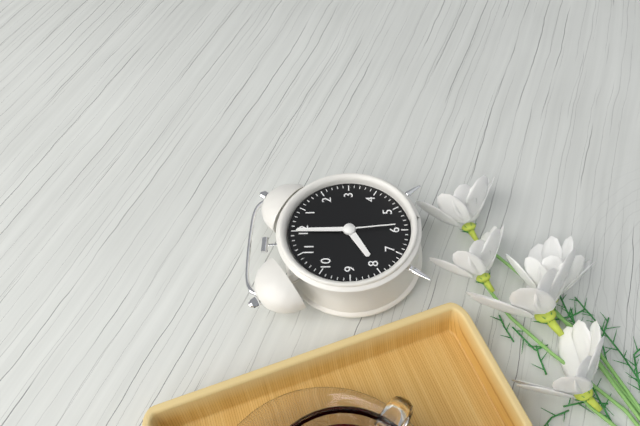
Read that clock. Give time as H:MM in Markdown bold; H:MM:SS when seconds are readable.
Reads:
**8:00:29**
